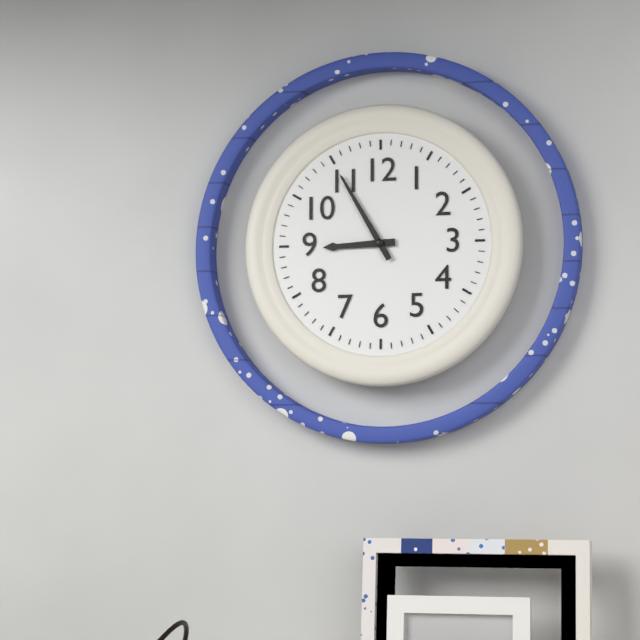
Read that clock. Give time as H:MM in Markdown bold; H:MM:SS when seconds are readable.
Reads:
**8:55**
